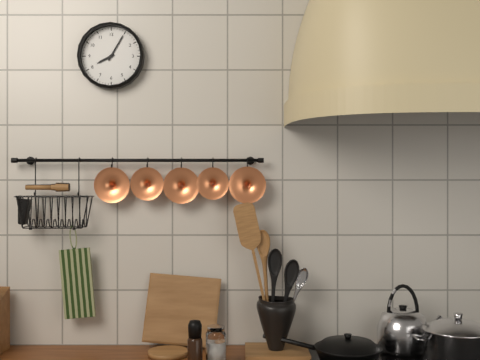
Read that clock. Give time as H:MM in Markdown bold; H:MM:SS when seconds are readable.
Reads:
**8:05**
